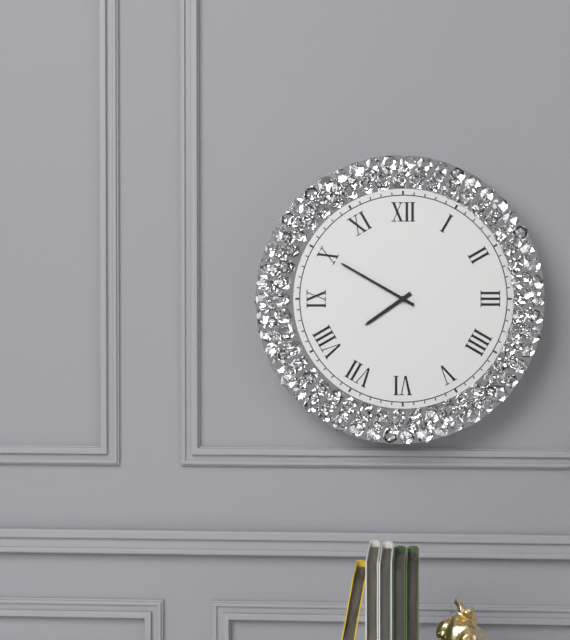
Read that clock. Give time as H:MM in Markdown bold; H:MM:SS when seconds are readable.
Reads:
**7:50**
